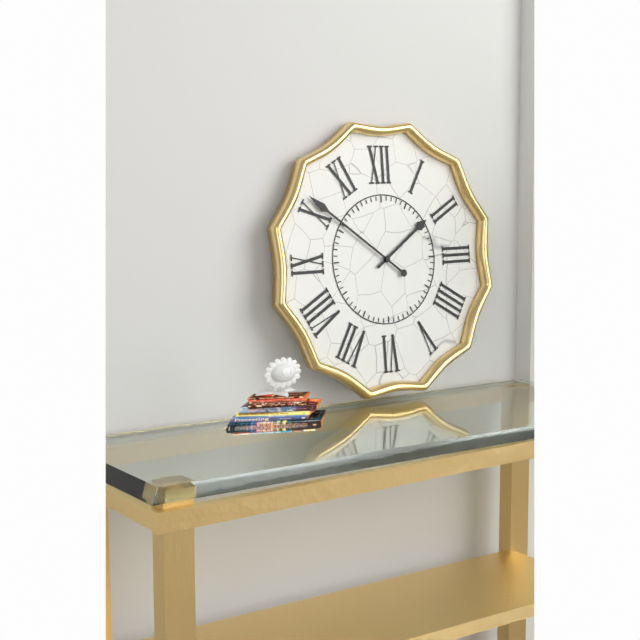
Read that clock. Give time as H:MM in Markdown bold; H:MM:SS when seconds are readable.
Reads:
**1:51**
